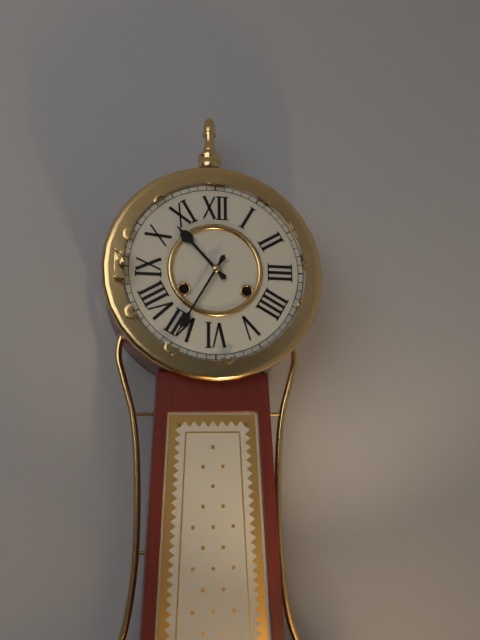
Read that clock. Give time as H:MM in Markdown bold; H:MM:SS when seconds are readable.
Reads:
**10:35**
